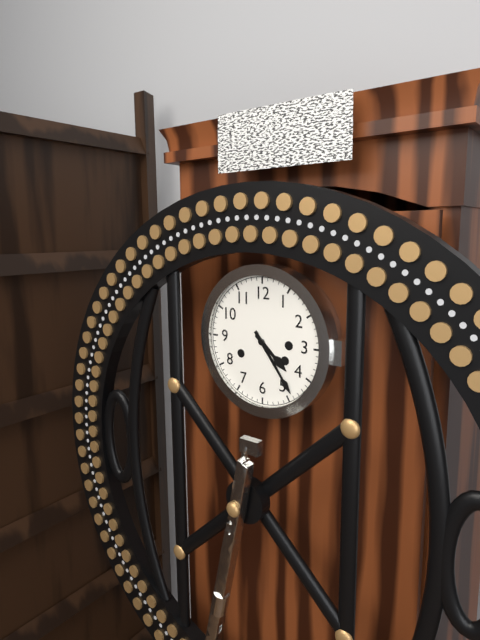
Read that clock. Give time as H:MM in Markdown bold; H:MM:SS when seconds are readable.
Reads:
**4:24**
